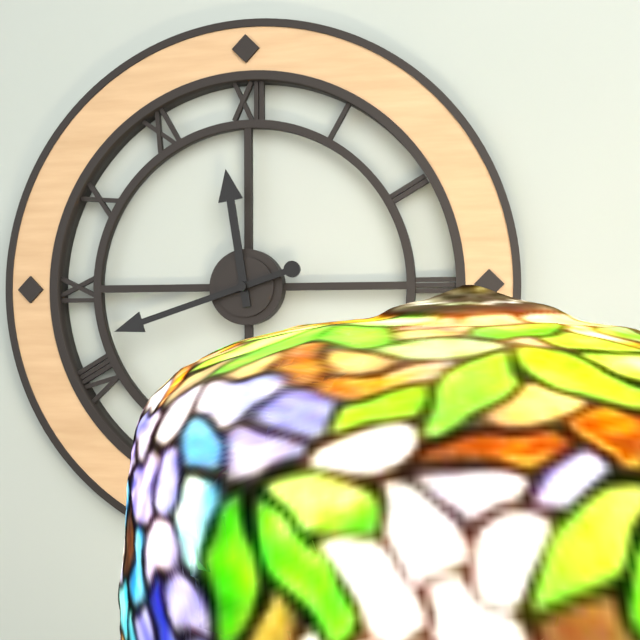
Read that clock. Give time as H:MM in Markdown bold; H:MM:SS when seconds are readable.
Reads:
**11:42**
